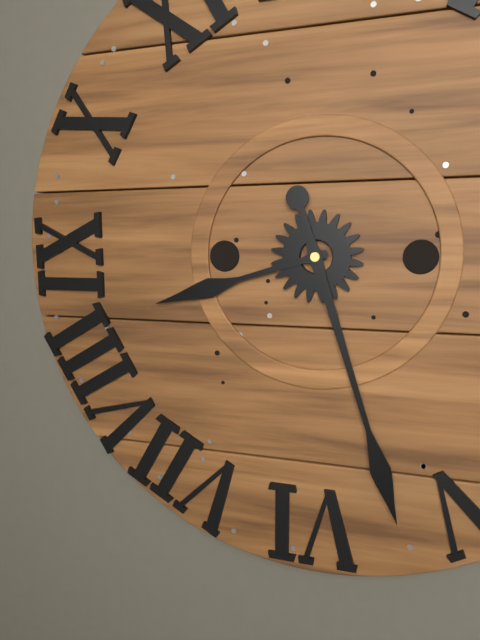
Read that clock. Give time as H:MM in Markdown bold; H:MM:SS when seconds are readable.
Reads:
**8:27**
